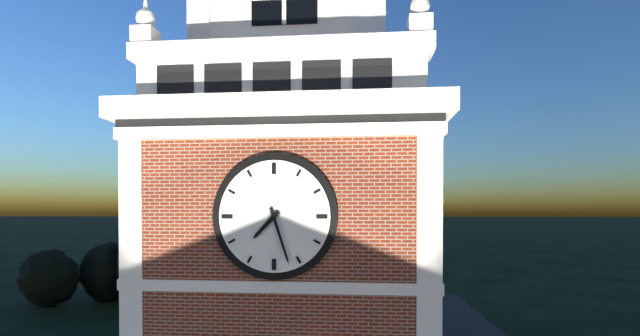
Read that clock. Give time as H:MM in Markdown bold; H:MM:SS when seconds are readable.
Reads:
**7:27**
